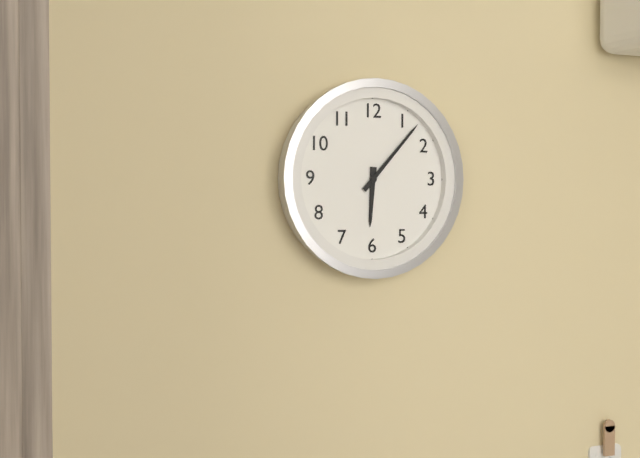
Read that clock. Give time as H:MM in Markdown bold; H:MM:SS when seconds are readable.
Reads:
**6:07**
